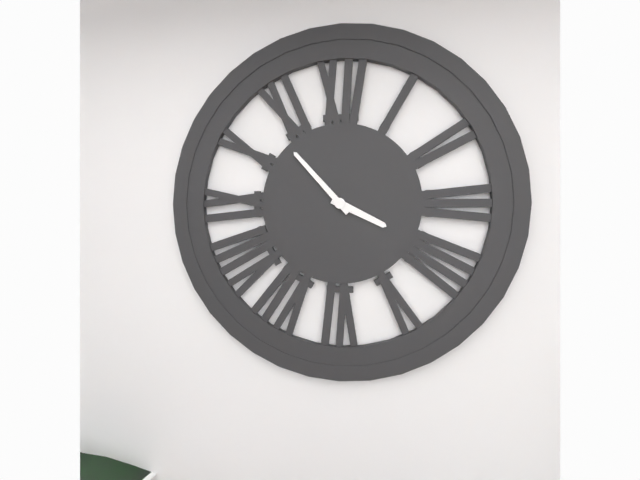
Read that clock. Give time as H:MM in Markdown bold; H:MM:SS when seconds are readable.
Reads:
**3:53**
